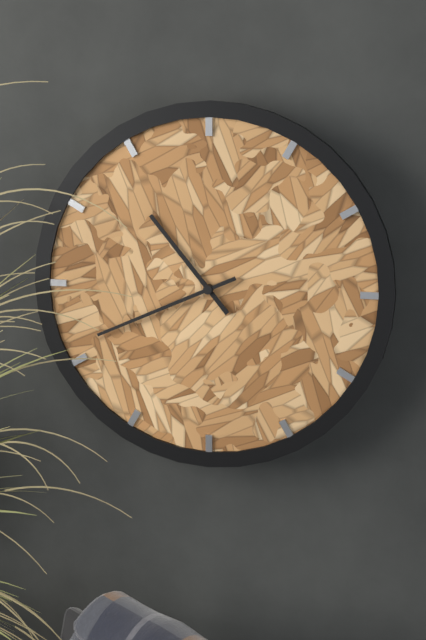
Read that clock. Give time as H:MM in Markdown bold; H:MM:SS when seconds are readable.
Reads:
**10:41**
